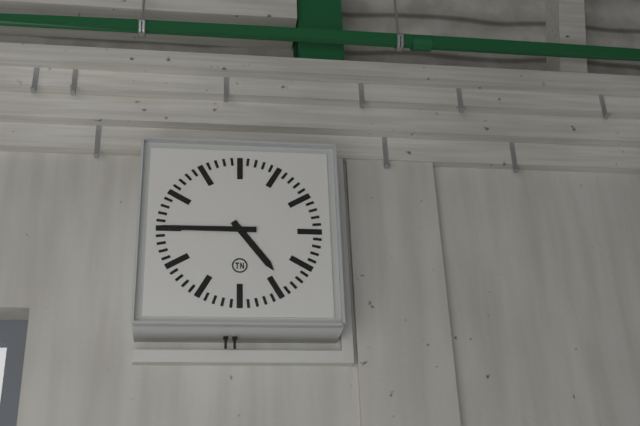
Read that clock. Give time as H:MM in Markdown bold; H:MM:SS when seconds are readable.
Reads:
**4:45**
